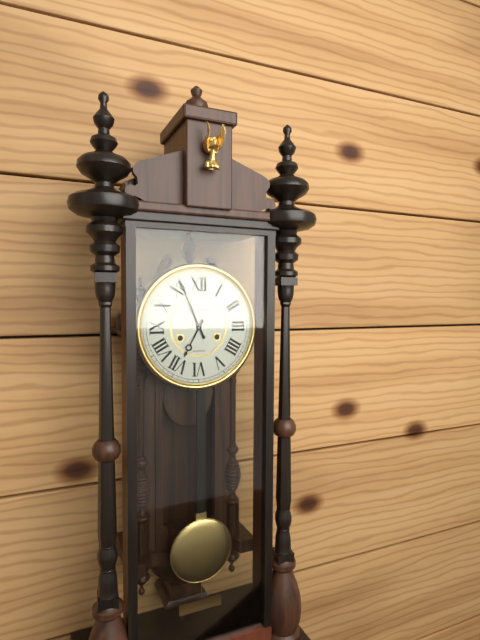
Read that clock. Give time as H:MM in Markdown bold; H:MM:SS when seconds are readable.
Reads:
**6:56**
